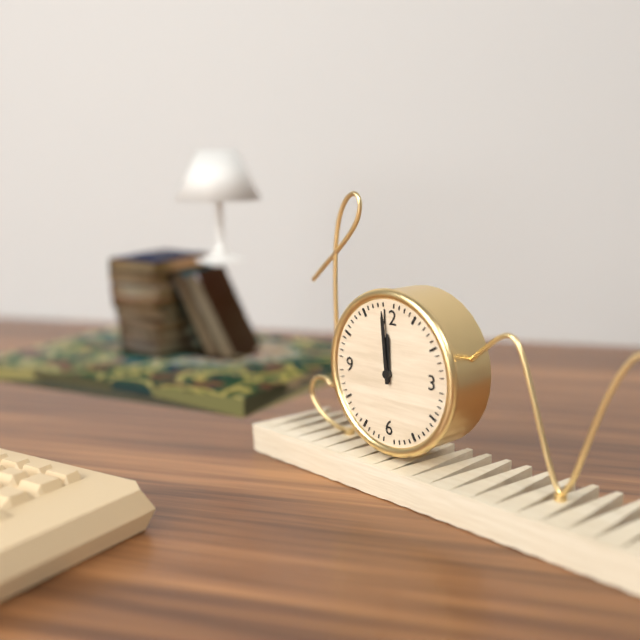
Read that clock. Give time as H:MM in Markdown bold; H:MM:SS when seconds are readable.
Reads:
**11:59**
